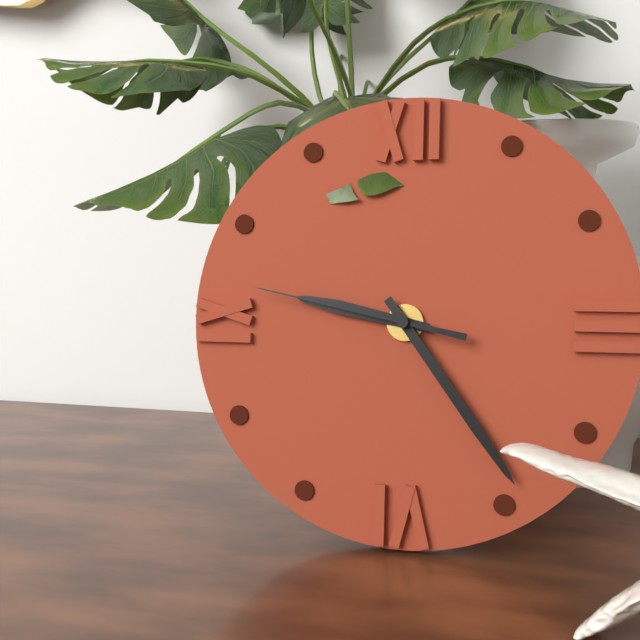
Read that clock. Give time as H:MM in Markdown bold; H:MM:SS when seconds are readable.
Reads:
**9:24:47**
